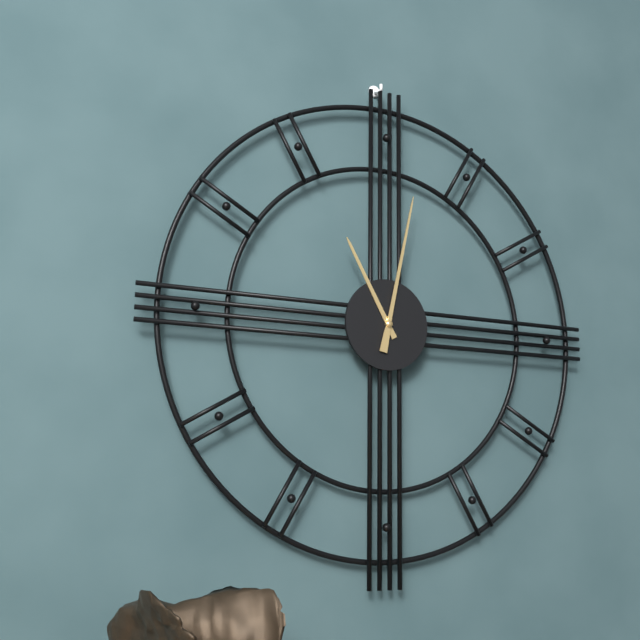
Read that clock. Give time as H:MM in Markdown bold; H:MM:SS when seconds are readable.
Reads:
**11:02**
